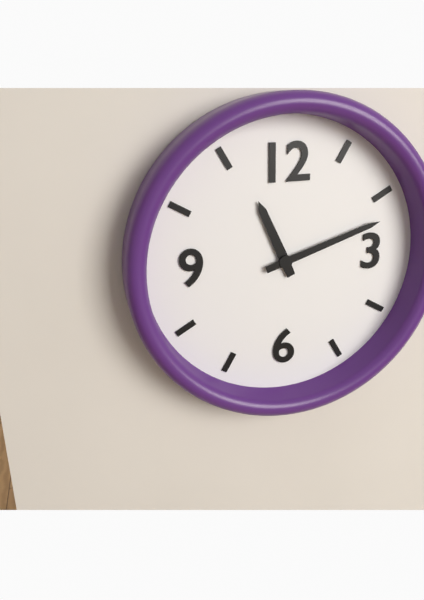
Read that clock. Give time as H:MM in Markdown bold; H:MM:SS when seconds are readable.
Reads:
**11:12**
